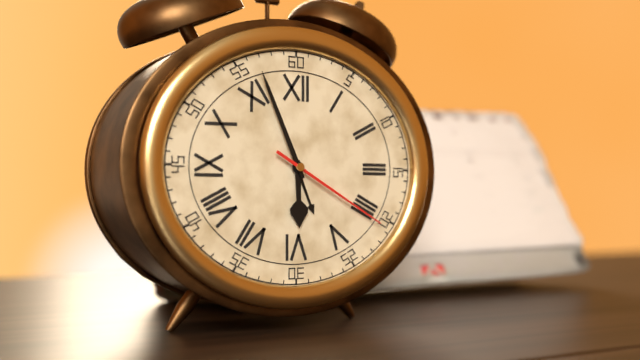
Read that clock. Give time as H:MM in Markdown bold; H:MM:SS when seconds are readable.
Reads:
**5:56:20**
